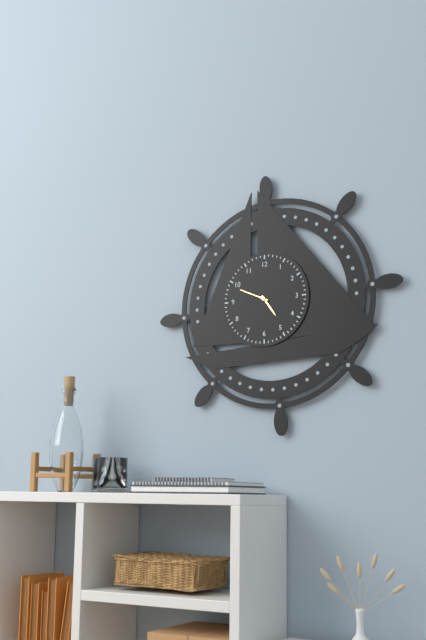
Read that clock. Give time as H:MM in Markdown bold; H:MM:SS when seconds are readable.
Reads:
**4:49**
